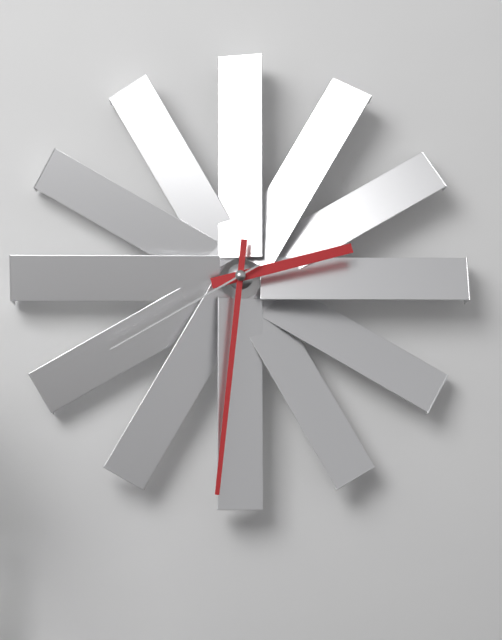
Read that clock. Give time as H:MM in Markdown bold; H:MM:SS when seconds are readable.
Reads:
**2:31:40**
